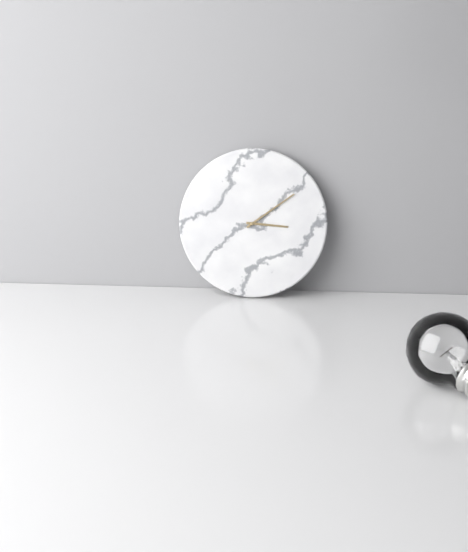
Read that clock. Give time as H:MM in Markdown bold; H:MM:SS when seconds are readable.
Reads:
**3:09**
